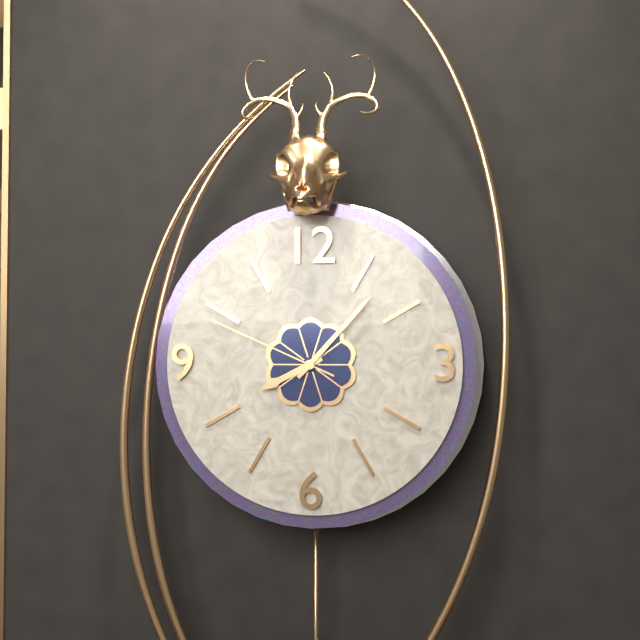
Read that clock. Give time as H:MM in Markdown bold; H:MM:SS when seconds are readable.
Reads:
**8:07:49**
